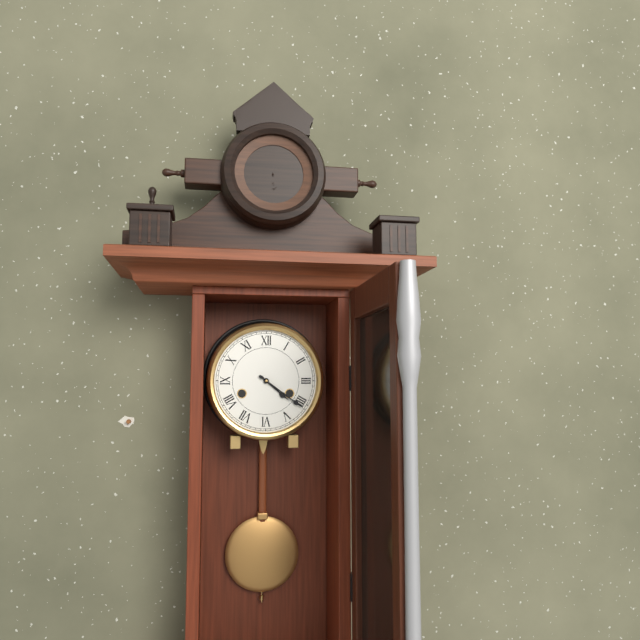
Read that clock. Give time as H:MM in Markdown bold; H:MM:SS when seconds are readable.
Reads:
**4:21**
